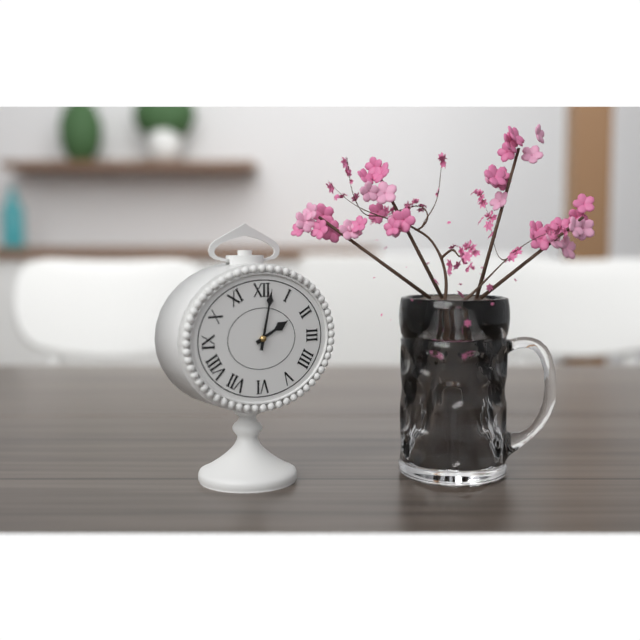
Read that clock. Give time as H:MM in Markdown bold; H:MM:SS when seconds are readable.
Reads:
**2:02**
